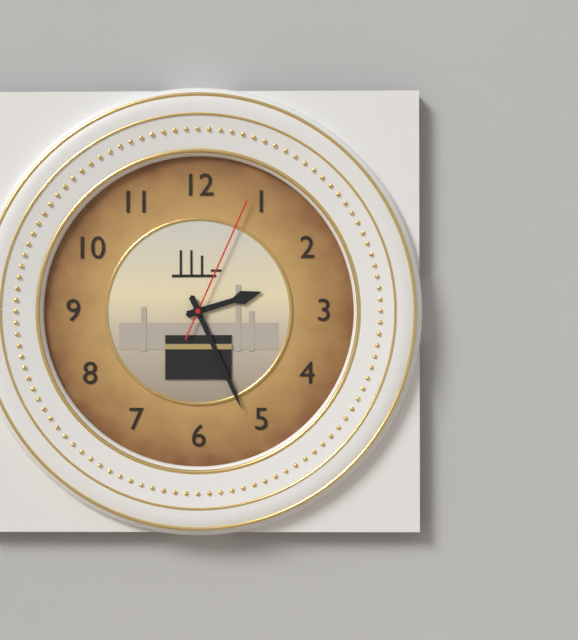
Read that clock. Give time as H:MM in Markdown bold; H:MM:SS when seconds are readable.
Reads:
**2:26:04**
